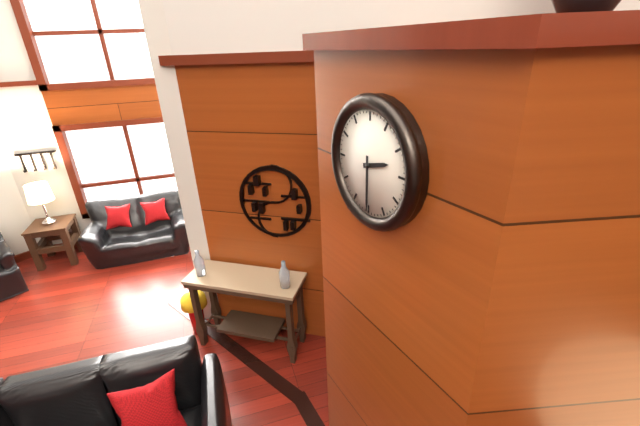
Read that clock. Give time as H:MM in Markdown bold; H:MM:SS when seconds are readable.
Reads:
**2:30**
